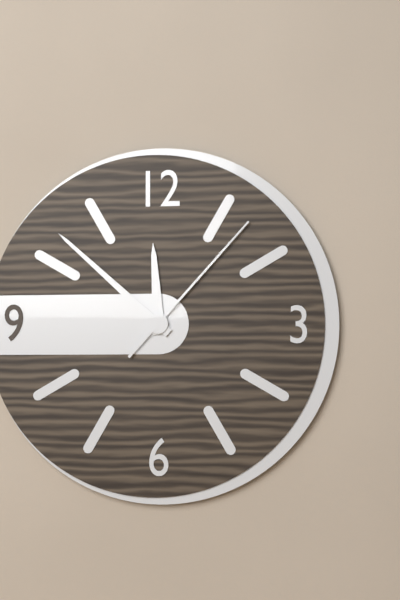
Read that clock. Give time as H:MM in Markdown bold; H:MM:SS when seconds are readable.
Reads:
**11:52:07**
